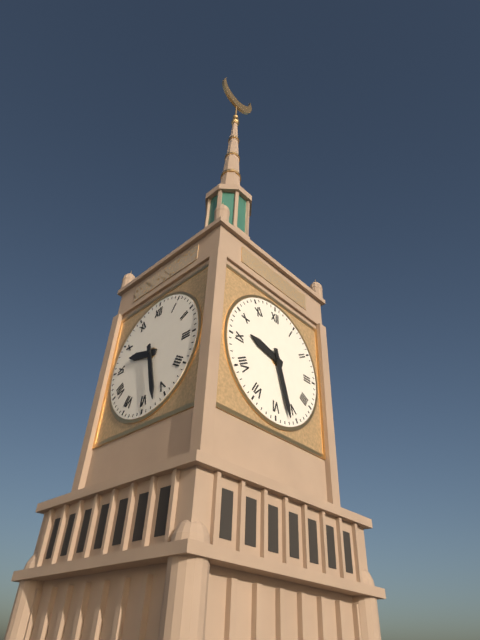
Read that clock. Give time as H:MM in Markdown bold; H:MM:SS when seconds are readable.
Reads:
**9:27**
